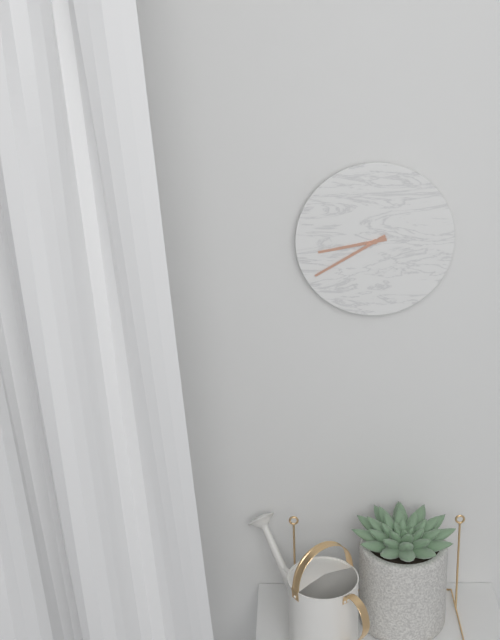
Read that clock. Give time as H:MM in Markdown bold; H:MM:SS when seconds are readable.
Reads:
**8:40**
